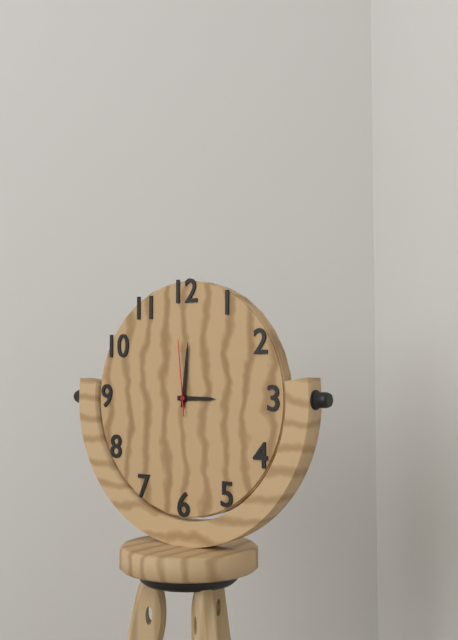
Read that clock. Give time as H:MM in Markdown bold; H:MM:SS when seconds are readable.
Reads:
**3:01:59**
